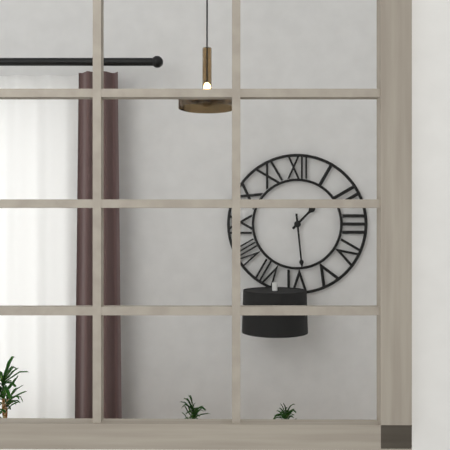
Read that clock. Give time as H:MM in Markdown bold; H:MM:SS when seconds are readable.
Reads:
**1:29**
